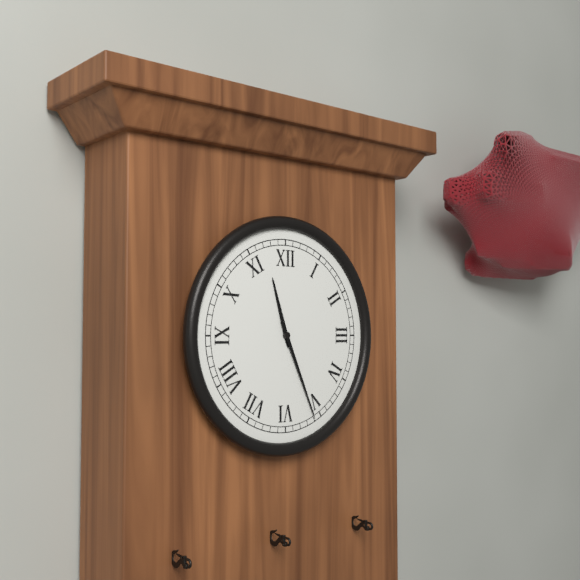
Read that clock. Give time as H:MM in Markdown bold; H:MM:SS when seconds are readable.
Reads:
**11:26**
